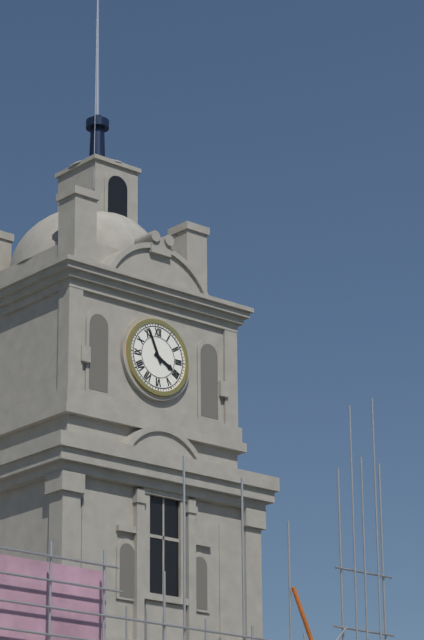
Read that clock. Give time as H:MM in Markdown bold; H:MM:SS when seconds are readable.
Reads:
**3:56**
